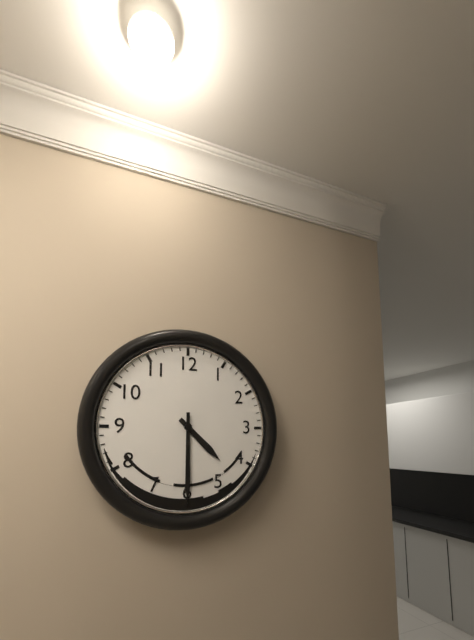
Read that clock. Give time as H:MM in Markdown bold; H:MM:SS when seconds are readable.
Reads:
**4:30**
